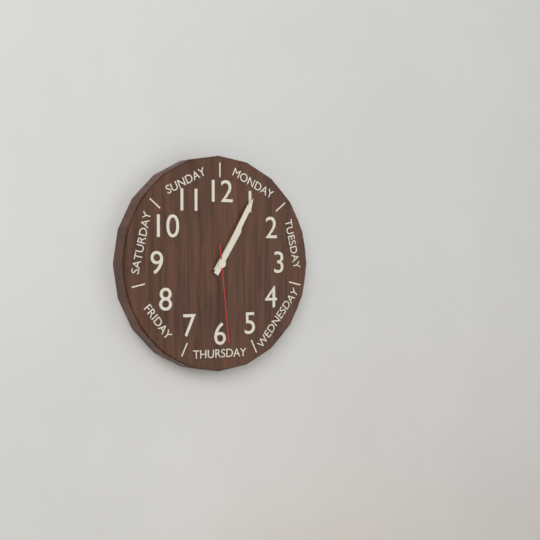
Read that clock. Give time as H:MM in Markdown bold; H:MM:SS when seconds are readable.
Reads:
**1:05:29**
